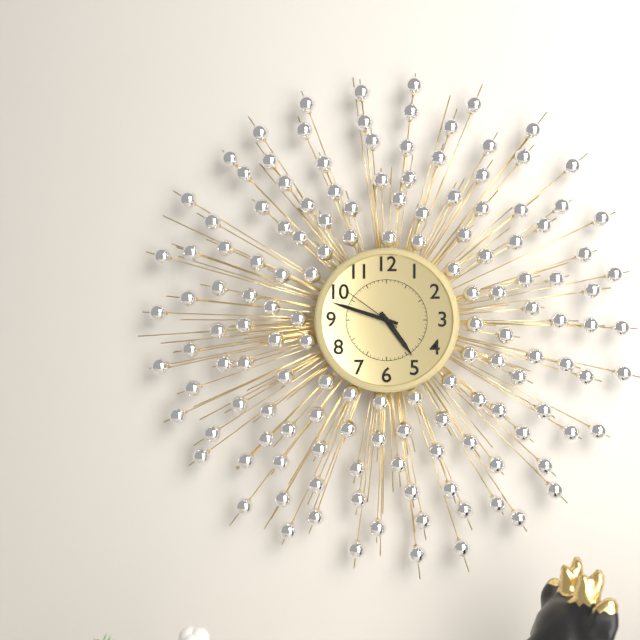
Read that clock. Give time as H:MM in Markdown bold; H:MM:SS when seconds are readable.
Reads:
**4:48:51**
